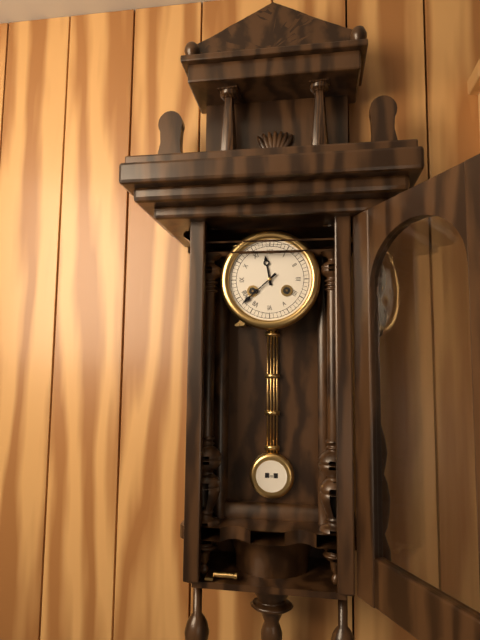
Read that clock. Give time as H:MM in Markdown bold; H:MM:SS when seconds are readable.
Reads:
**11:38**
